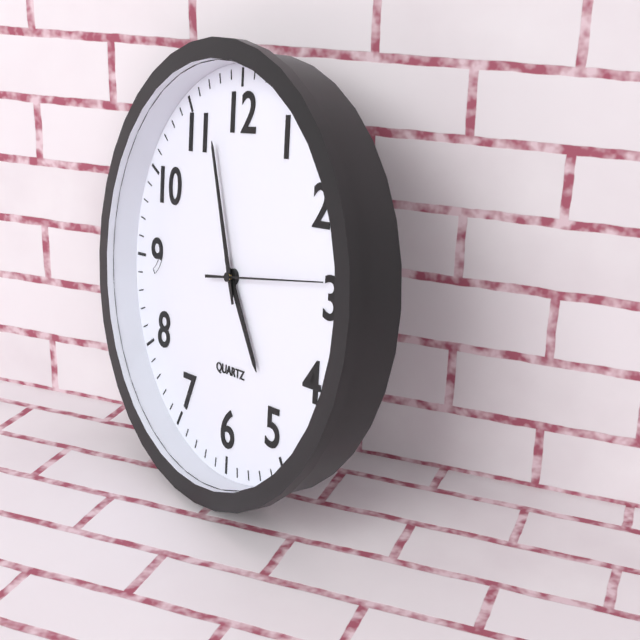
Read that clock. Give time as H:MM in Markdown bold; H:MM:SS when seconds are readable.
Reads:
**4:57:14**
